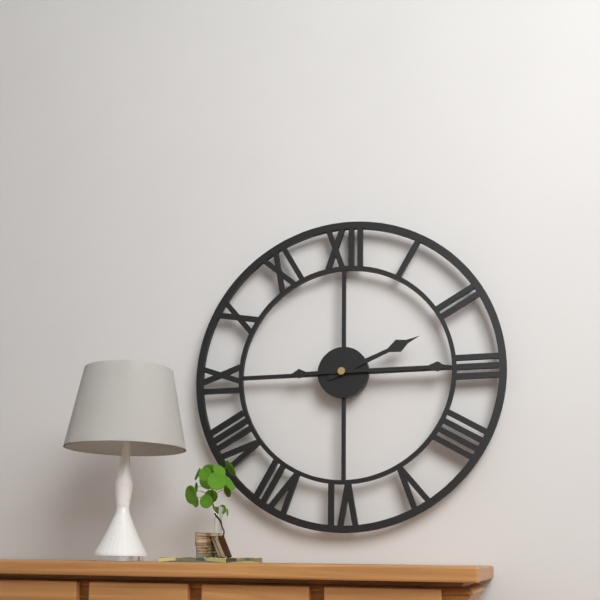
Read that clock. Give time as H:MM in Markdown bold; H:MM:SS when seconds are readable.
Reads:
**2:15**
